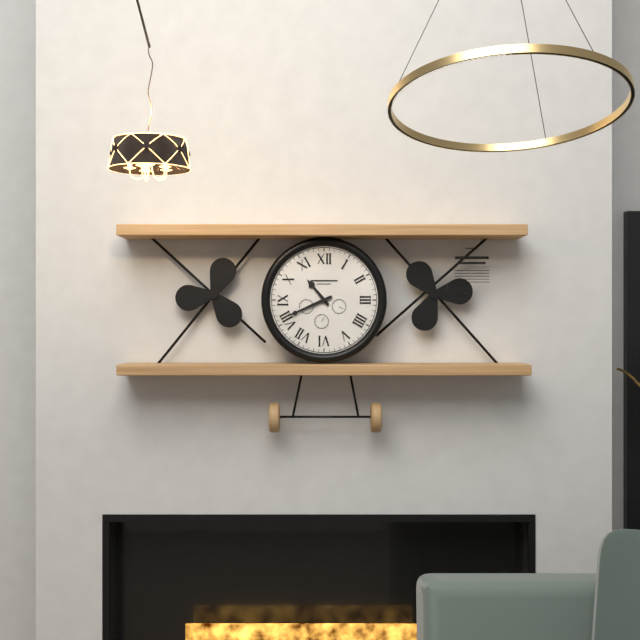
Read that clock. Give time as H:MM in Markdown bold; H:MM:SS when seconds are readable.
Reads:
**10:41**
